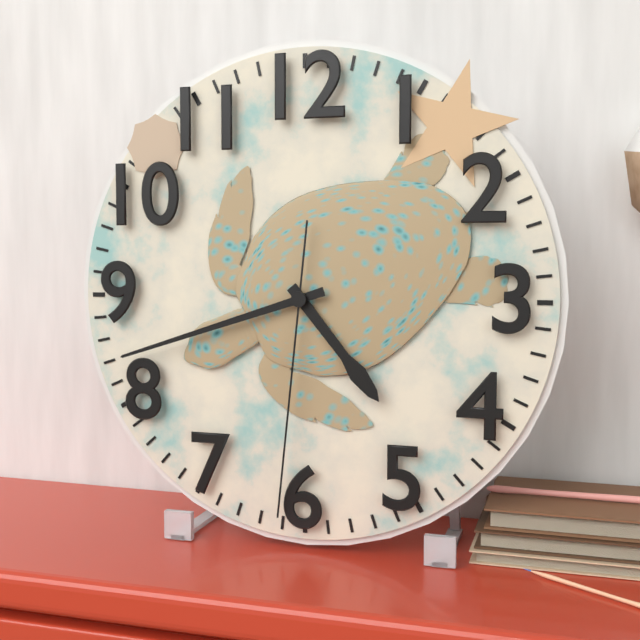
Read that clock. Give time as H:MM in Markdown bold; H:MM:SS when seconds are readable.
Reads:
**4:42:31**
